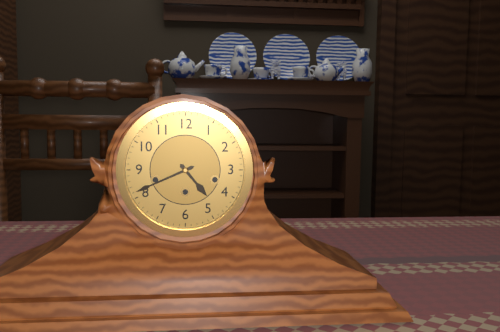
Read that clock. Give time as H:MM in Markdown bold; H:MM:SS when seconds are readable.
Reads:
**4:41**
